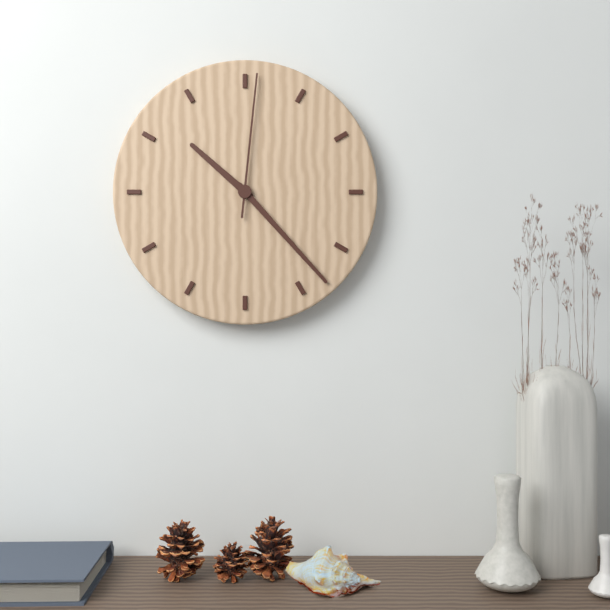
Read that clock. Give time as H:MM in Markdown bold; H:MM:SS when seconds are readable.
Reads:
**10:23:01**
